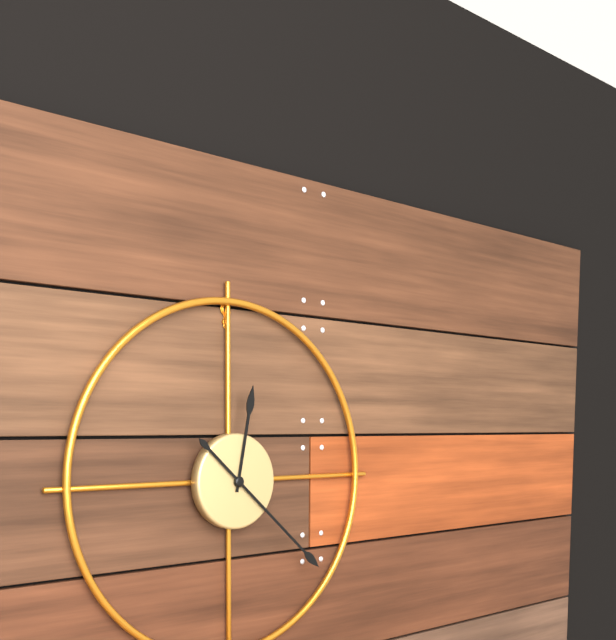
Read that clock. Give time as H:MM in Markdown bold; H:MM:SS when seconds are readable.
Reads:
**12:22**
